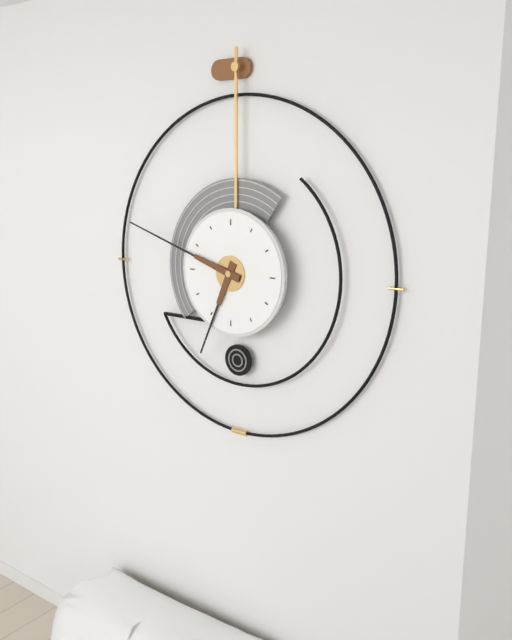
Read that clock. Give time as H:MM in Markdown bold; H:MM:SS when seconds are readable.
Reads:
**6:48**
